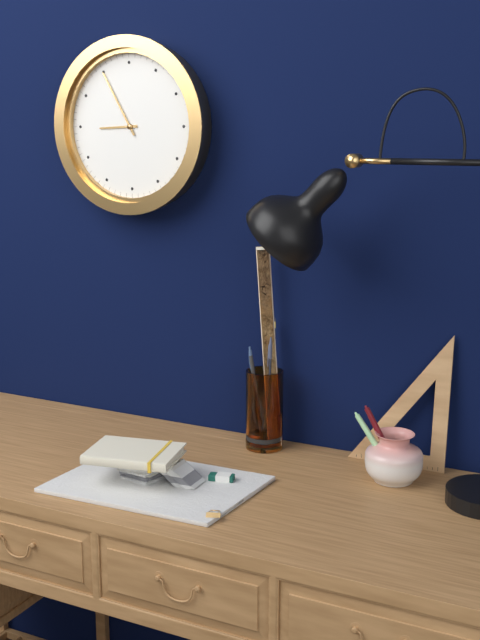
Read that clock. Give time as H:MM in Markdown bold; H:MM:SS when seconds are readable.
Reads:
**8:55**
